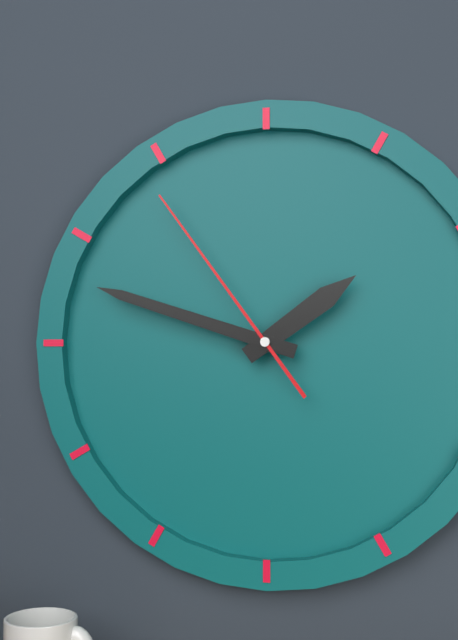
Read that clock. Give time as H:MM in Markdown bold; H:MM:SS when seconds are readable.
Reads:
**1:48:54**
